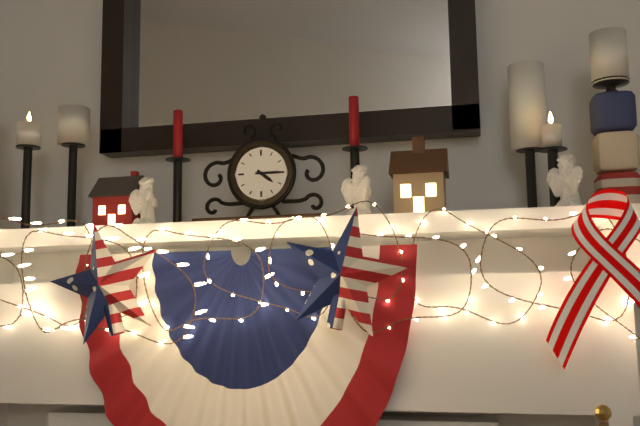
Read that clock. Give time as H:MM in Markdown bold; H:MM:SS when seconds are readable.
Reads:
**4:15**
